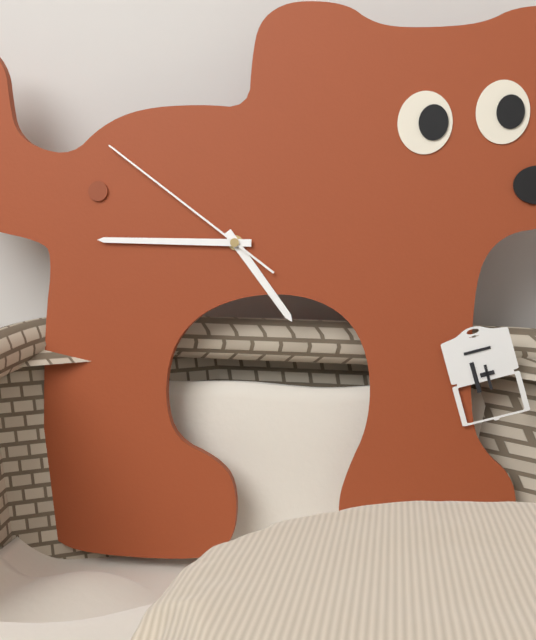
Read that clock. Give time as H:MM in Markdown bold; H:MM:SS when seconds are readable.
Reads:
**4:45:51**
